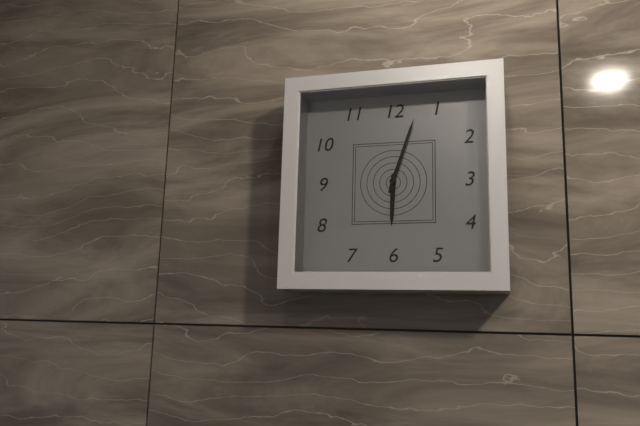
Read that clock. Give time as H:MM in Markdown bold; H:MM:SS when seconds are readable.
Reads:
**6:03**
